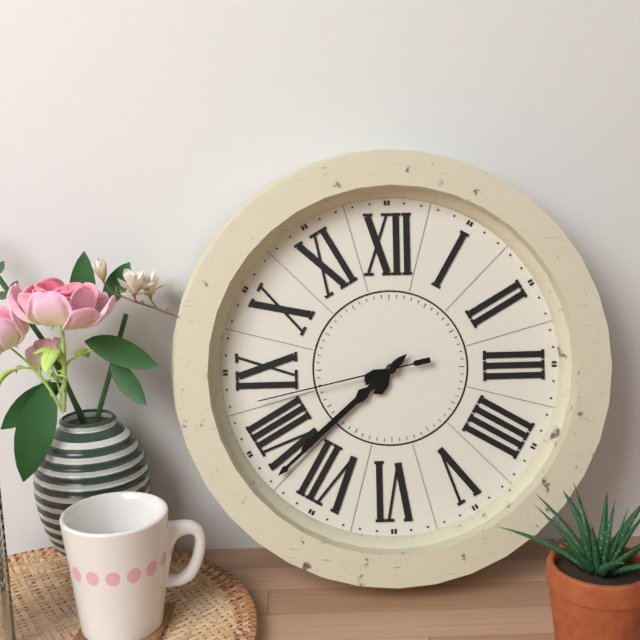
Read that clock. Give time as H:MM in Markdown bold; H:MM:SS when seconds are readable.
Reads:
**7:38:43**
